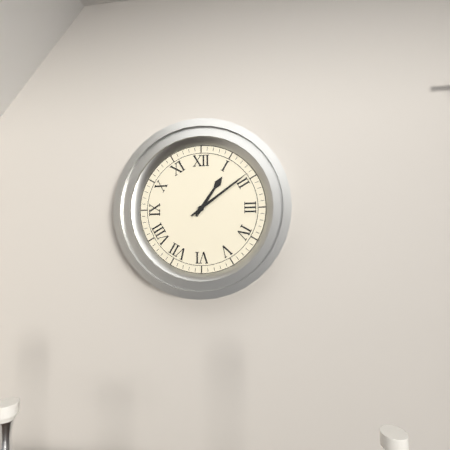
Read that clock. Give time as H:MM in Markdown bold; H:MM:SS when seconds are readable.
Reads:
**1:09**
